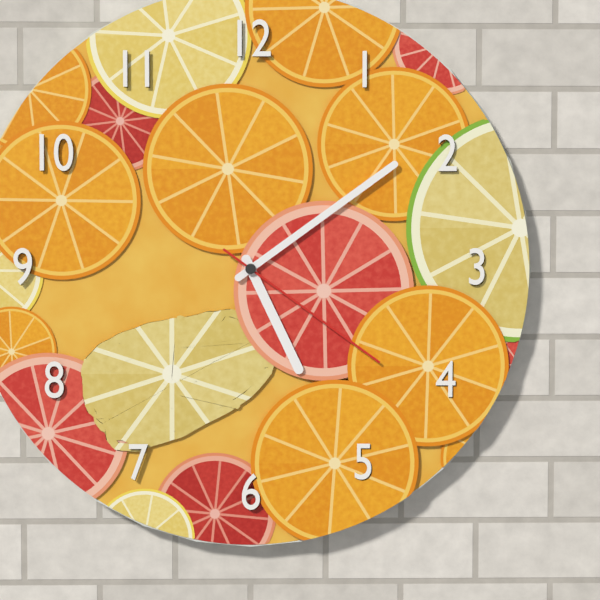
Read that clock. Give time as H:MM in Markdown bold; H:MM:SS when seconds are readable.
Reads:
**5:09:21**
